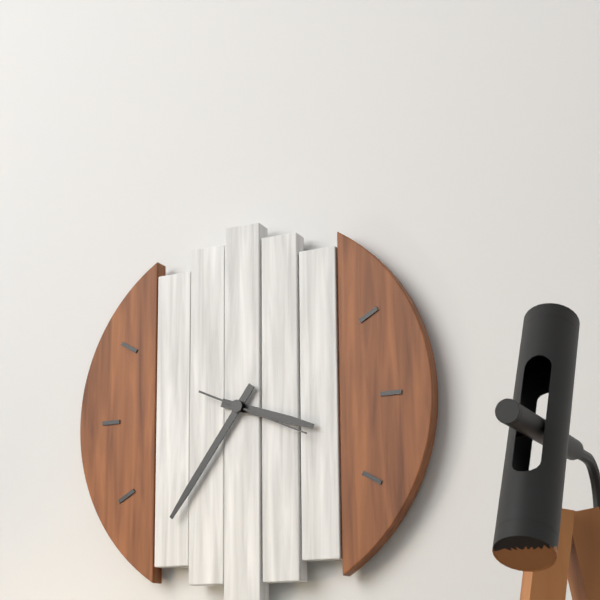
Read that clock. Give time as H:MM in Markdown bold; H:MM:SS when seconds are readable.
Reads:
**3:36:19**
